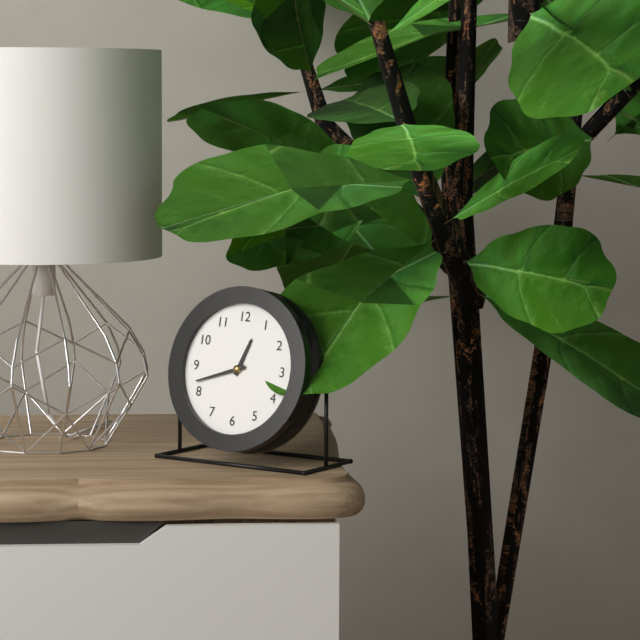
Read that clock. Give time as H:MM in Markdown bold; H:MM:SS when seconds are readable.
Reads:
**12:42**
